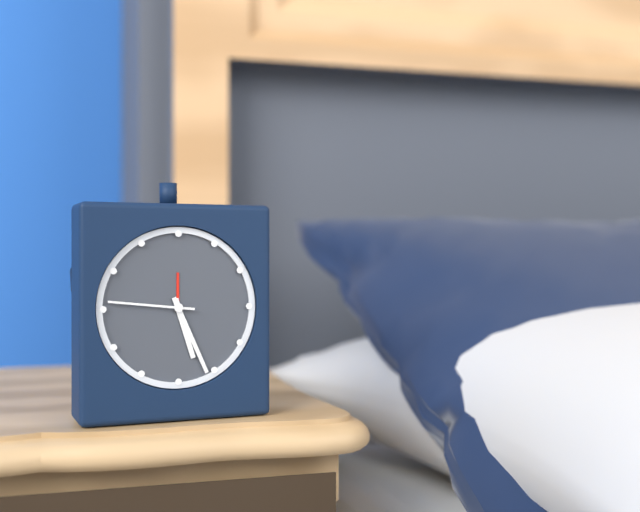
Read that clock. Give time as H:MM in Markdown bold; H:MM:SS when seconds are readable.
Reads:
**5:26:46**
